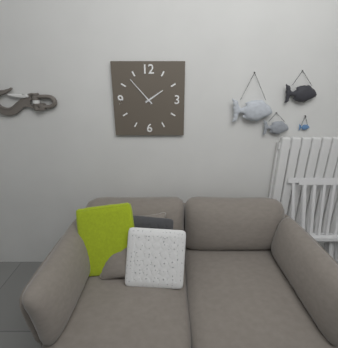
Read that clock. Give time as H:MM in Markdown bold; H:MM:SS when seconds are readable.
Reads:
**1:53**
